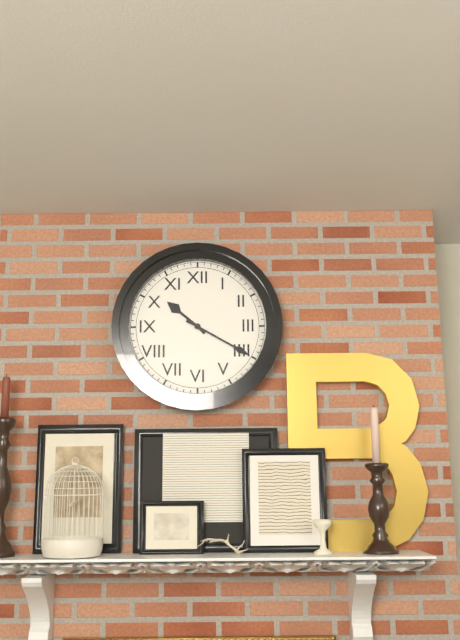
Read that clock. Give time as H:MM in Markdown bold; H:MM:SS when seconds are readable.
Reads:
**10:20**
